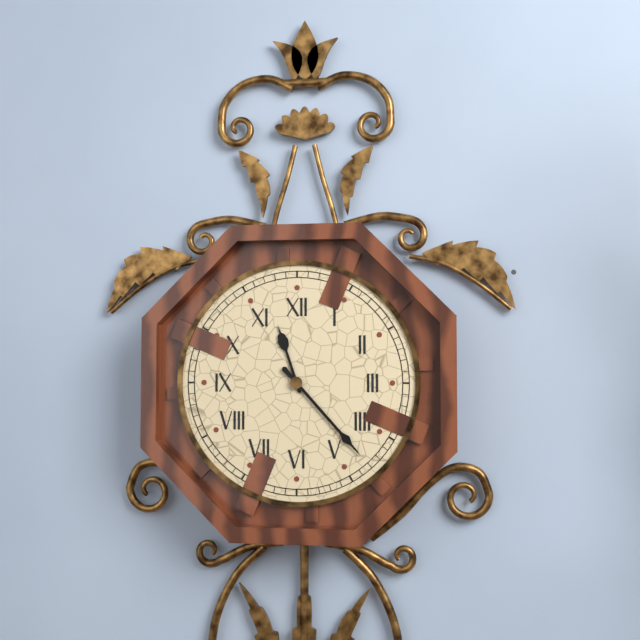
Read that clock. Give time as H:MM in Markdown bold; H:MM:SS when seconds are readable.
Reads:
**11:23**
